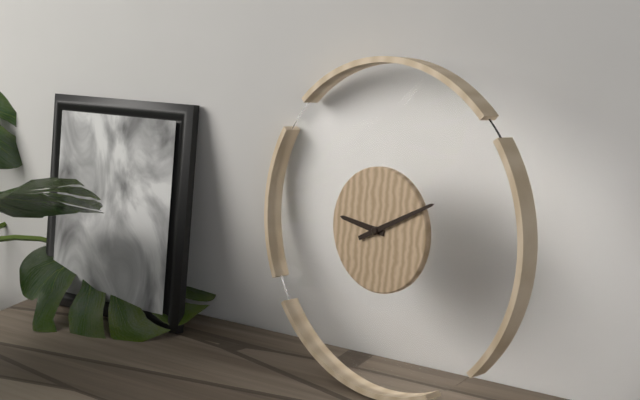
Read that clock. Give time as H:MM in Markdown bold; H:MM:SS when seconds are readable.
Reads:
**9:10**
